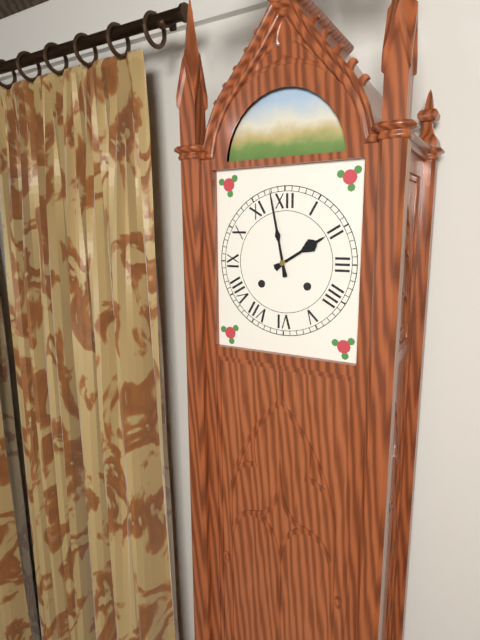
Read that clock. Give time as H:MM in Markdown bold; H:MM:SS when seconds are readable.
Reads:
**1:58**
